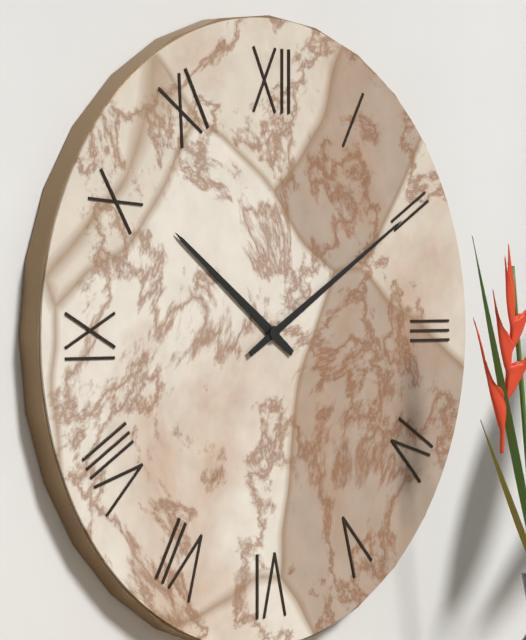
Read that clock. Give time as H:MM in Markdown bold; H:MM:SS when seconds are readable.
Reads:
**10:10**
